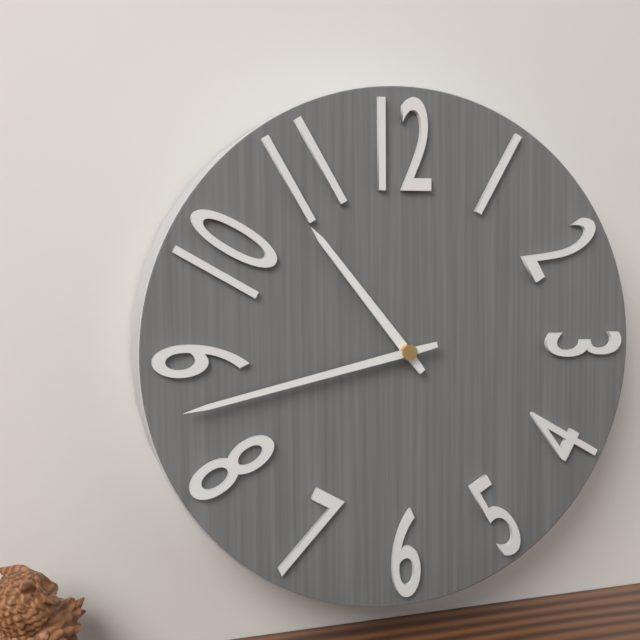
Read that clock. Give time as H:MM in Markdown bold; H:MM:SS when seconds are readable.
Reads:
**10:43**
